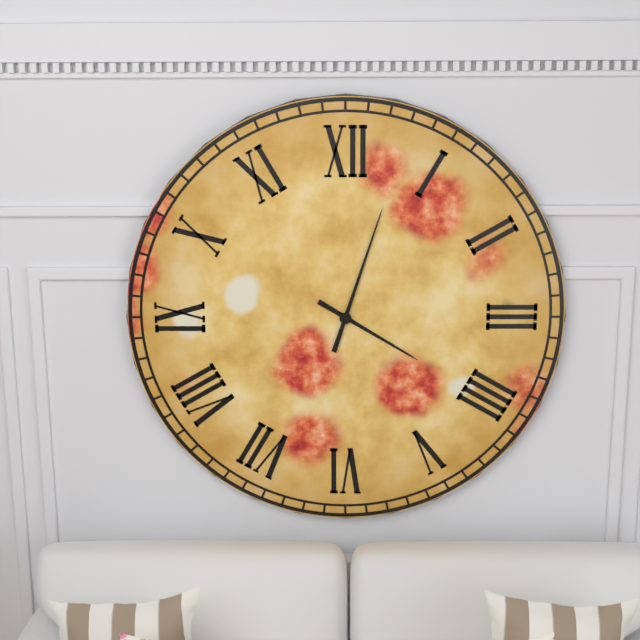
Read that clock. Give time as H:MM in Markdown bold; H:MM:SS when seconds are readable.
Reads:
**4:03**
